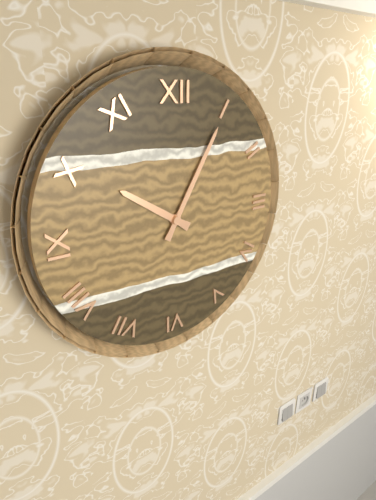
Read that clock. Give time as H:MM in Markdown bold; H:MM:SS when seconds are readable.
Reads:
**10:05**
